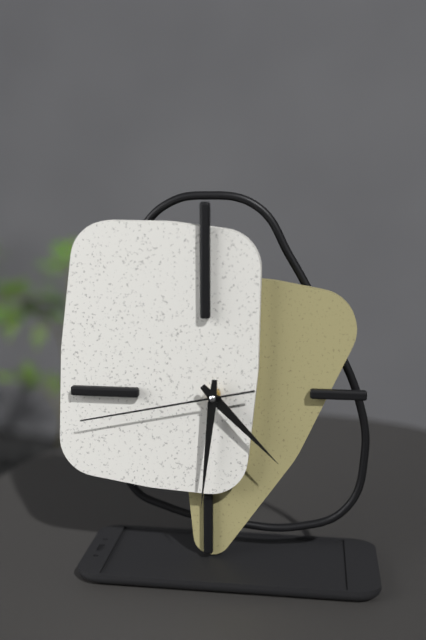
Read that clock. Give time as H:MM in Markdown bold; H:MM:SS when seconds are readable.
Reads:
**4:31:43**
